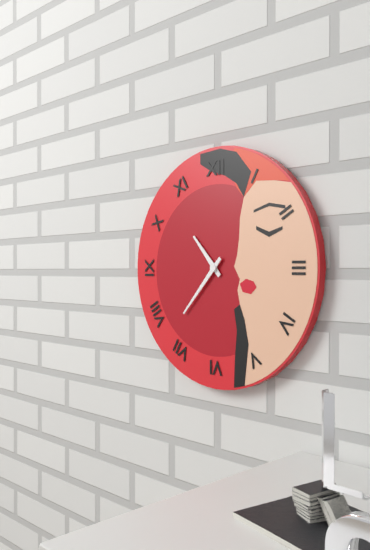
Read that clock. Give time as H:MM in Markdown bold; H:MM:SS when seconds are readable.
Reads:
**10:37**
